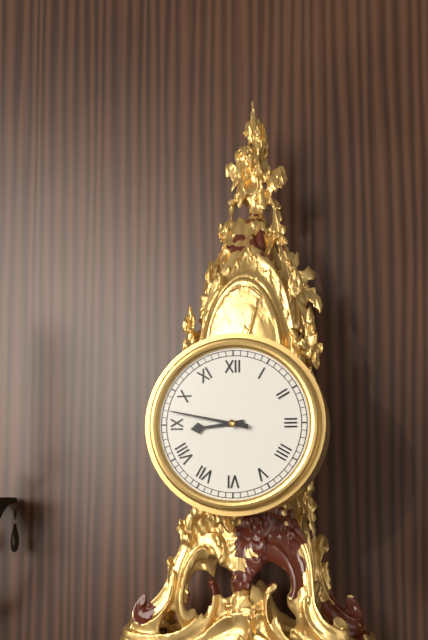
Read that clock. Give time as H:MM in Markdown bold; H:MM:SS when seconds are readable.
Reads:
**8:47**
